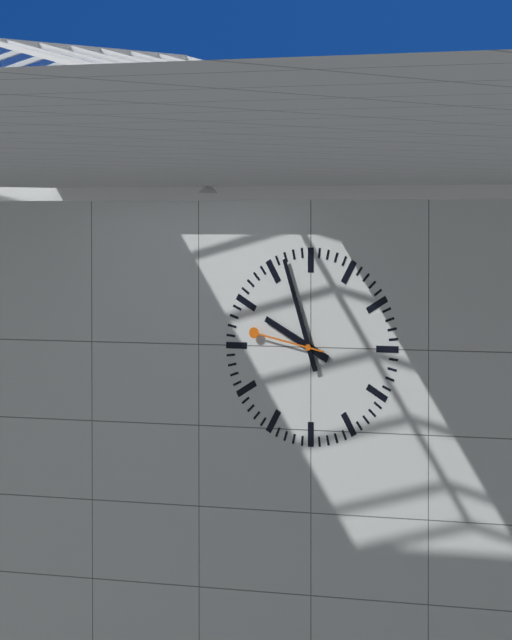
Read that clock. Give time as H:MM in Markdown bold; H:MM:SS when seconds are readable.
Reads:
**9:57:47**
